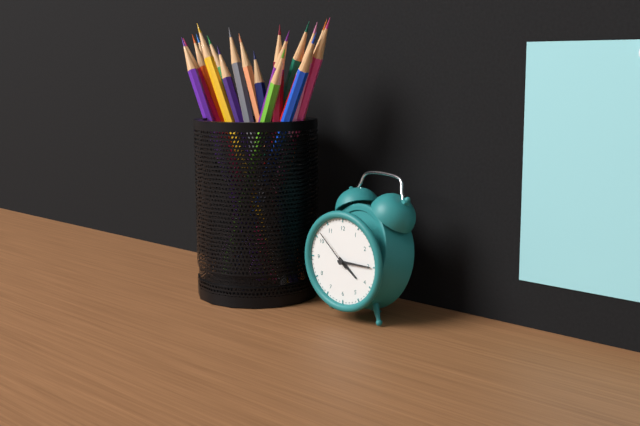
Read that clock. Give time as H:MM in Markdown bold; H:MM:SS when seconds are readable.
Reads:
**4:15**
